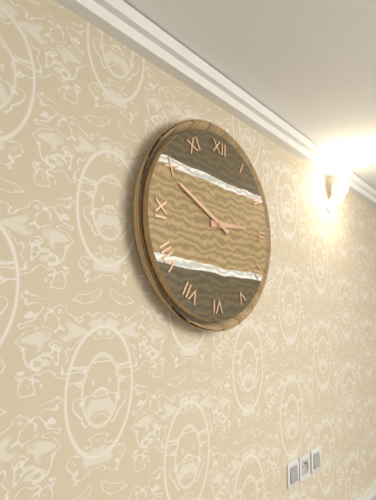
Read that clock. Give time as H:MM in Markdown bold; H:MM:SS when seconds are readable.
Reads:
**2:49**
